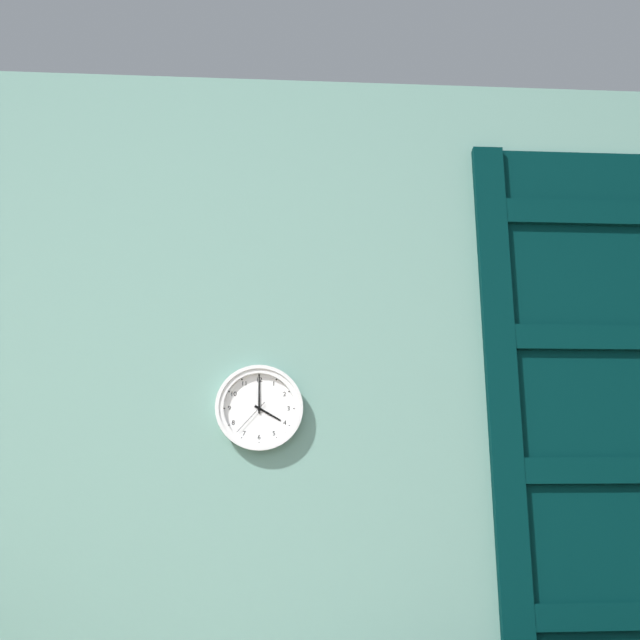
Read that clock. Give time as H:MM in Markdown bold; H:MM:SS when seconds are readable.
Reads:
**4:00**
